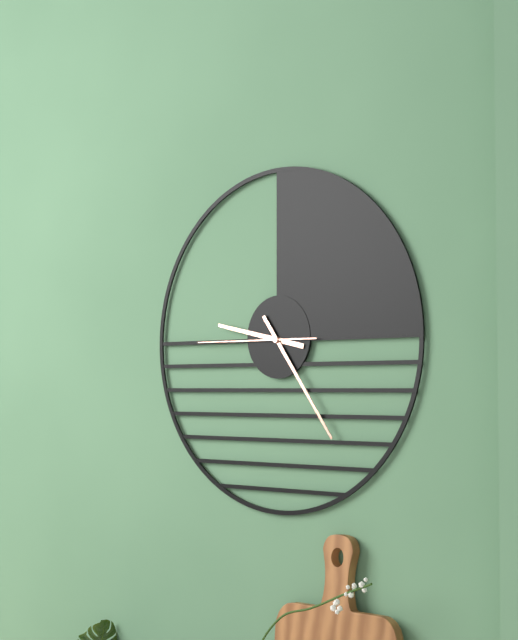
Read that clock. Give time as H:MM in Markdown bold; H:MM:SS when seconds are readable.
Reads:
**9:24:45**
